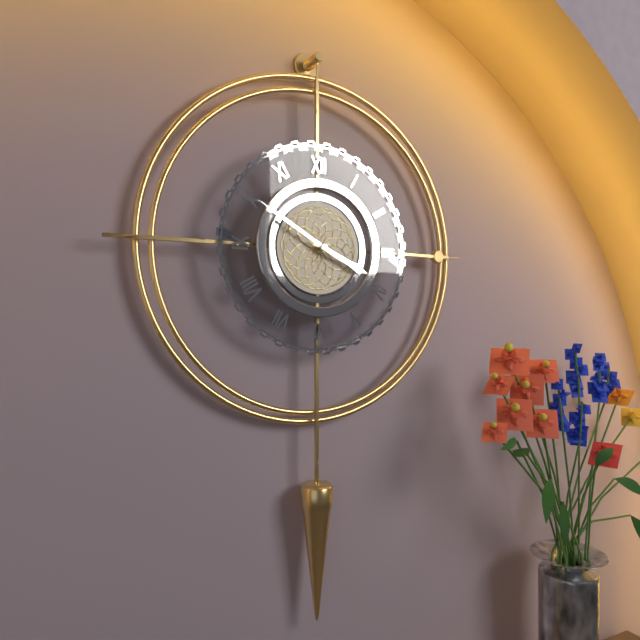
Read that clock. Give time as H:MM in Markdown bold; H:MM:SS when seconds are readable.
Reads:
**3:50**
